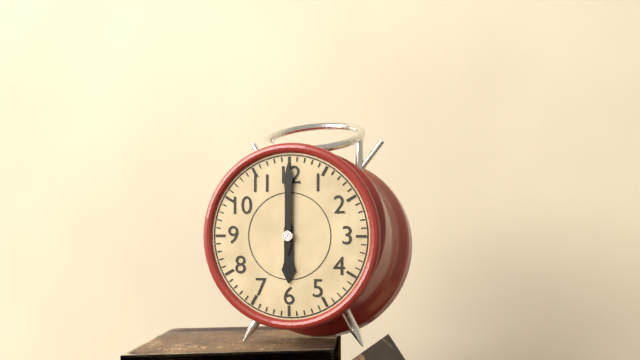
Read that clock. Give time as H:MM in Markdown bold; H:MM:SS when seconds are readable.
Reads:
**6:00**
